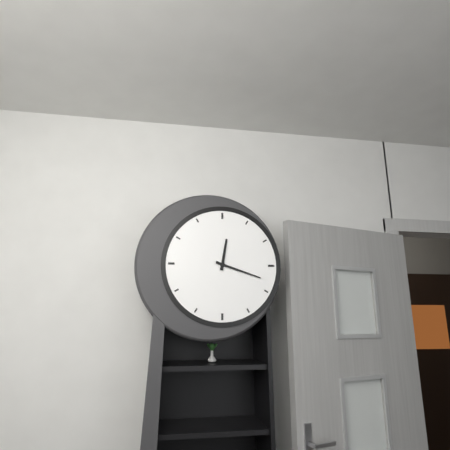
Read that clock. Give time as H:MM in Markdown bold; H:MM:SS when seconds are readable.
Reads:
**12:18**
